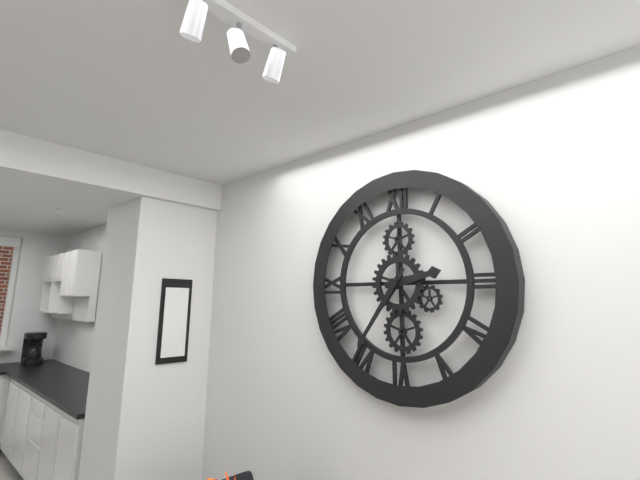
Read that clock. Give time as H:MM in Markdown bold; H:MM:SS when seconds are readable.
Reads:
**2:36**
